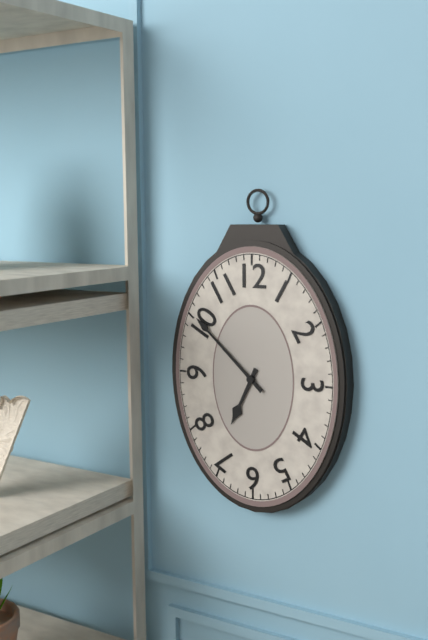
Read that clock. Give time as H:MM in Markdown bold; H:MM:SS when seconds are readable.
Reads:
**6:52**
